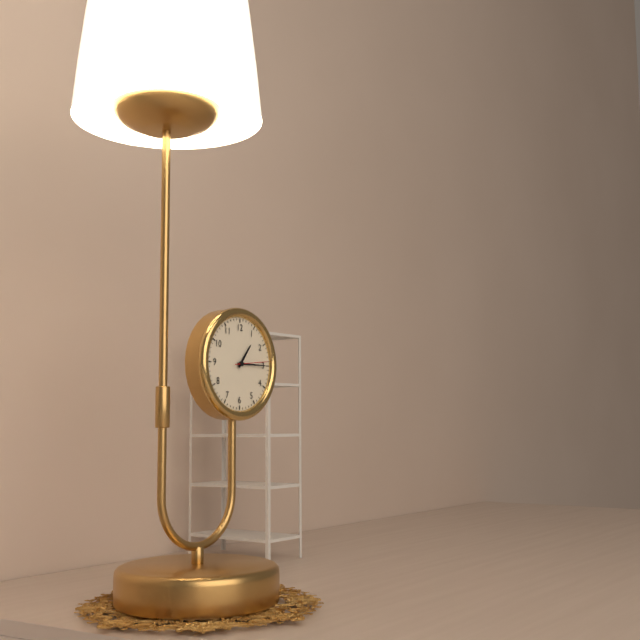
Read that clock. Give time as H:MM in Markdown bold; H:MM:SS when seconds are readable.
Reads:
**1:15**
